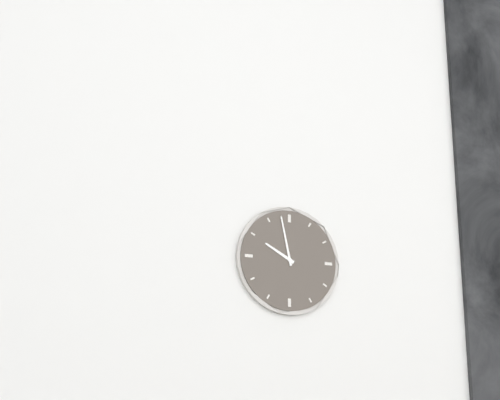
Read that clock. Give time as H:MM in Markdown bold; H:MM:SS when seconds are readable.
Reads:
**9:58**
